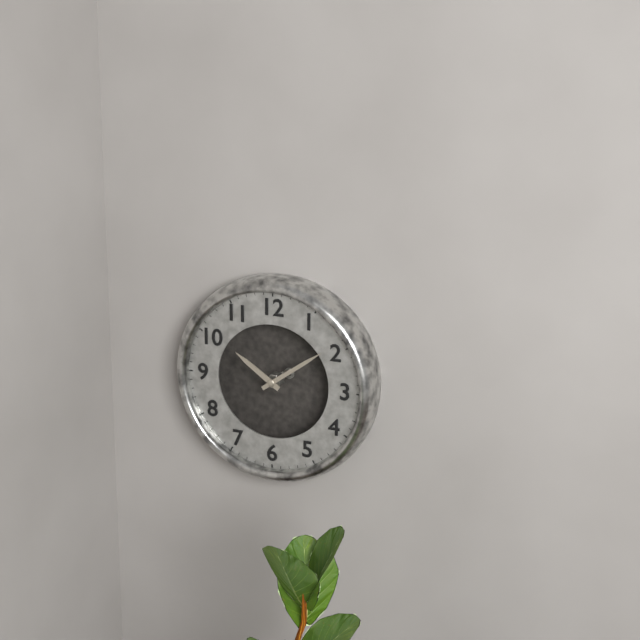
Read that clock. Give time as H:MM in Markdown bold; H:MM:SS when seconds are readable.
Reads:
**10:09**
